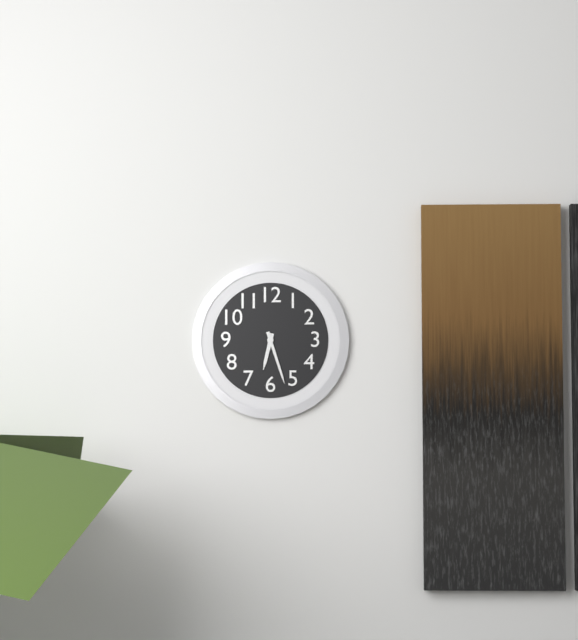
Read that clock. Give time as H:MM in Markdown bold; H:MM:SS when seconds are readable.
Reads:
**6:27**
